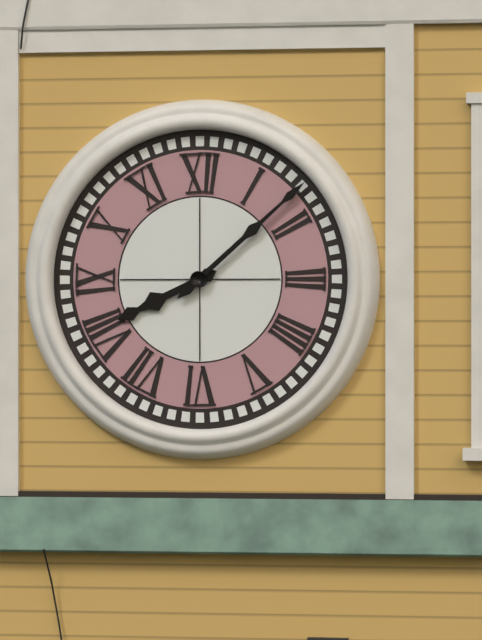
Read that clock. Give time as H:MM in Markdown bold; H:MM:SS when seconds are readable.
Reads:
**8:08**
